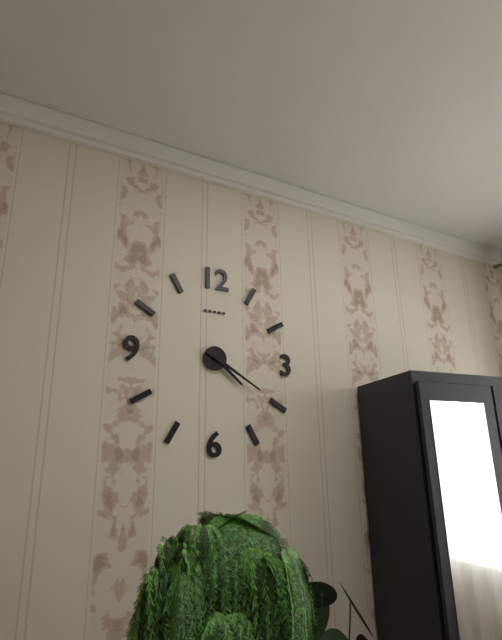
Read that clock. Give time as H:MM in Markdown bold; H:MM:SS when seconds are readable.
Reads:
**4:20**
